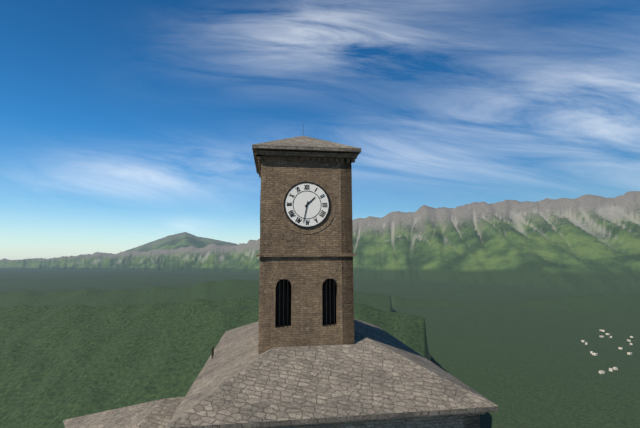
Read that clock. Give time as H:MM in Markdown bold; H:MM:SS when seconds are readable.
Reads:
**1:32**
